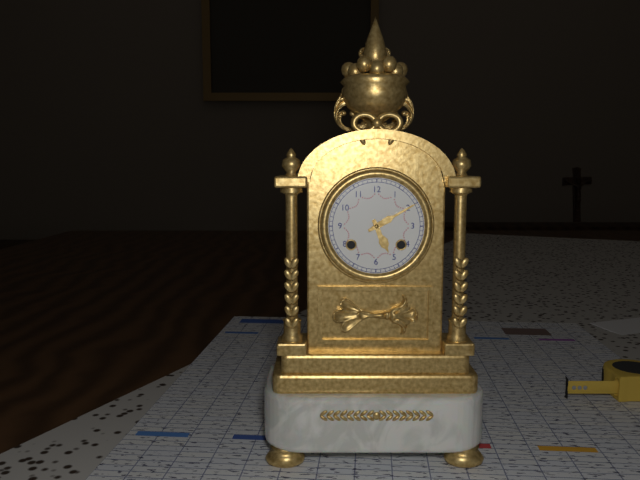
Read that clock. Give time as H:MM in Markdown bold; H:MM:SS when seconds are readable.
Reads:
**5:10**
